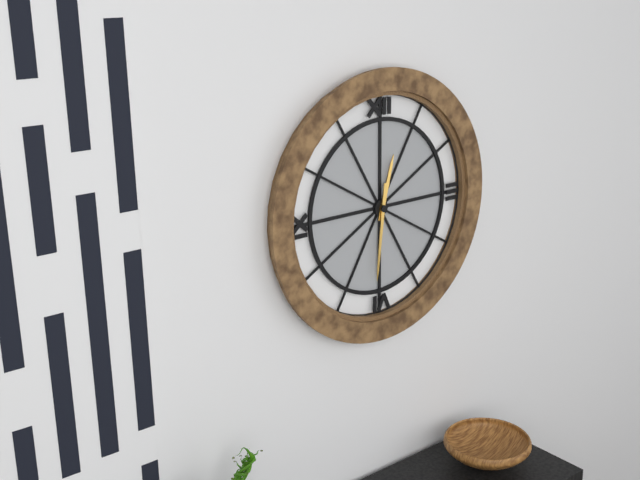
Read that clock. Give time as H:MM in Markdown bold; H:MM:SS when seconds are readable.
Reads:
**12:31**
